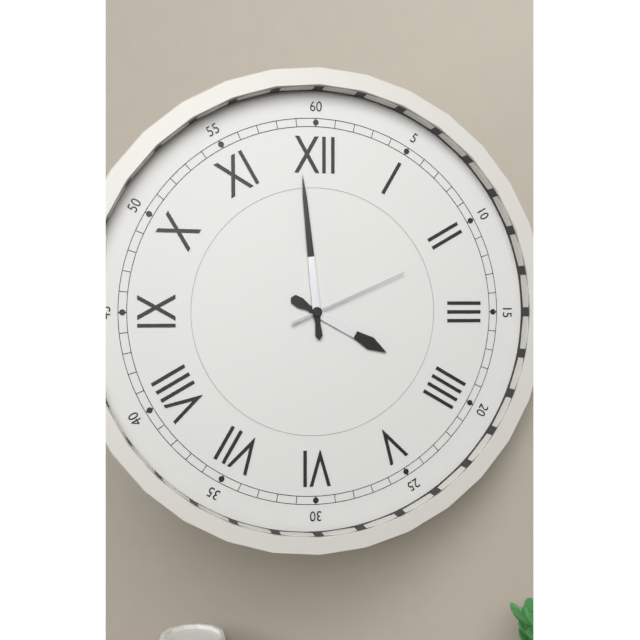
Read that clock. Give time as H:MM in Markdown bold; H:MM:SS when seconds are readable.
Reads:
**3:59:11**
